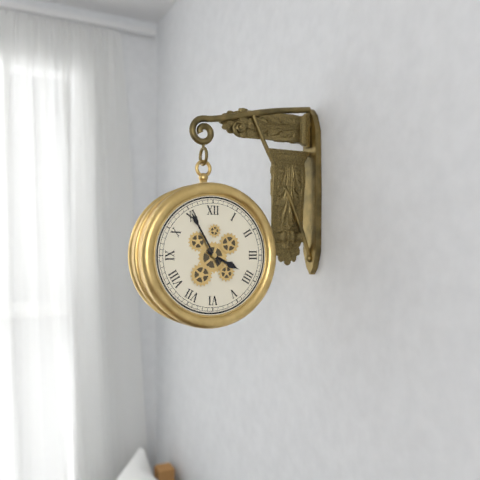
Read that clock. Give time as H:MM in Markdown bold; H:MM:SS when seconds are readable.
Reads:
**3:55**
